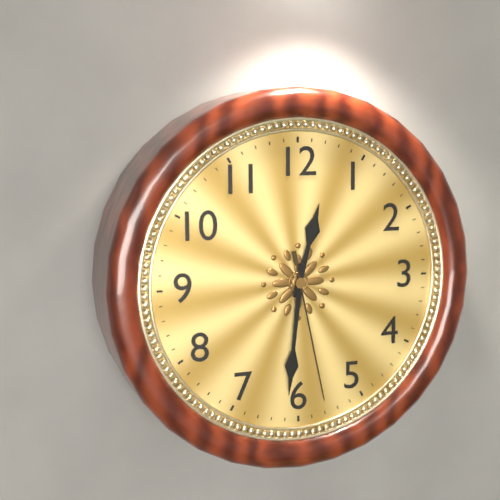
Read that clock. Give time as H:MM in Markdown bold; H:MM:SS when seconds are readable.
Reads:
**12:31:28**
